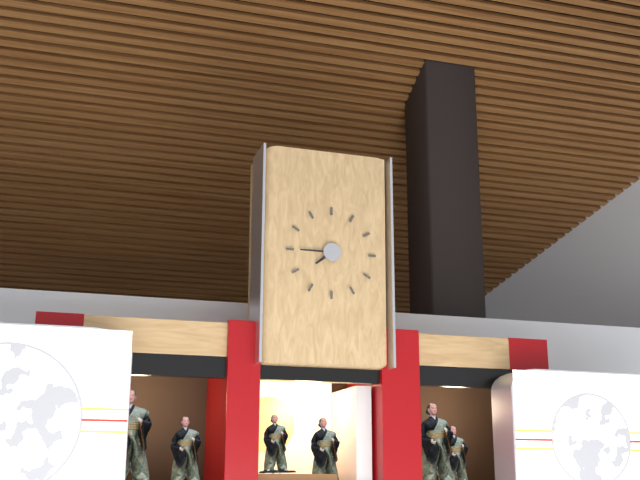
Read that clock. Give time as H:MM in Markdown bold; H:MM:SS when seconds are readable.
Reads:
**7:45**
